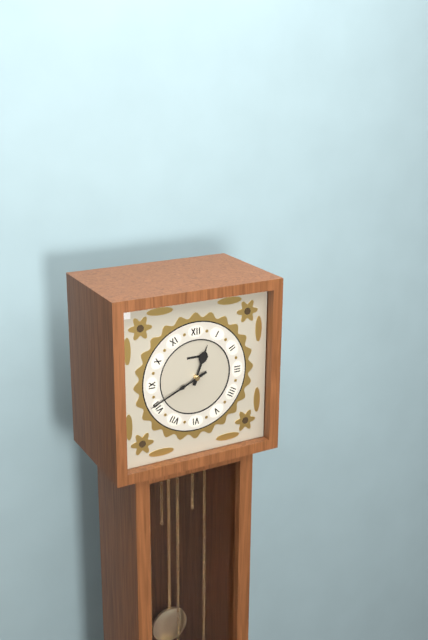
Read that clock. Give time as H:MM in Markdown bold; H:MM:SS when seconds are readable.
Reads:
**12:41**
